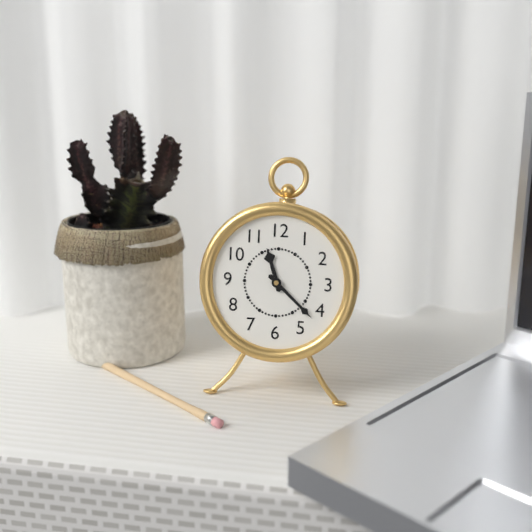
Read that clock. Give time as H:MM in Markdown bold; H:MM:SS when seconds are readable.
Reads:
**11:22**
